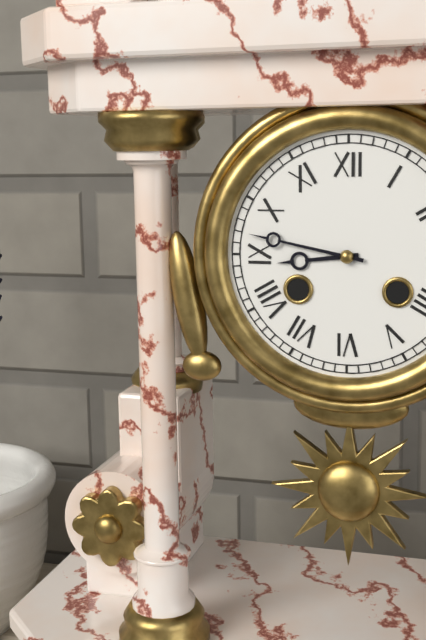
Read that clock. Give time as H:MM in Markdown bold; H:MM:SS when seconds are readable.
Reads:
**8:47**
